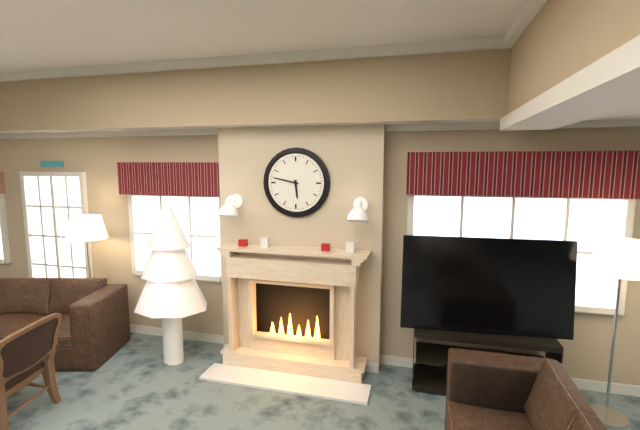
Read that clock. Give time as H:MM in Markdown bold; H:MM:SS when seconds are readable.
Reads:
**5:47**
